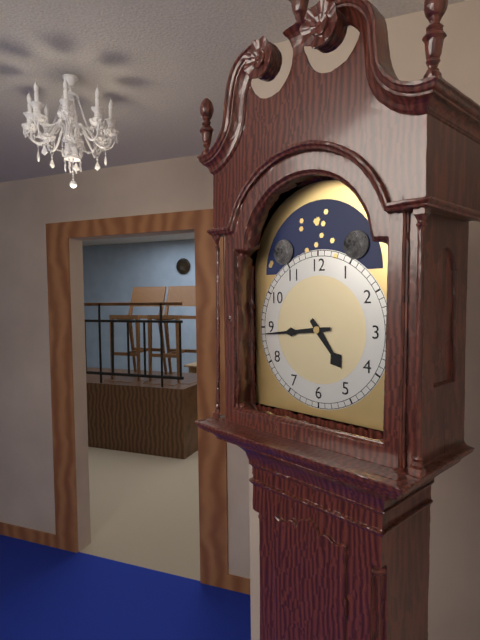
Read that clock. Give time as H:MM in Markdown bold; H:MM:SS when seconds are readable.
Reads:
**4:44**
